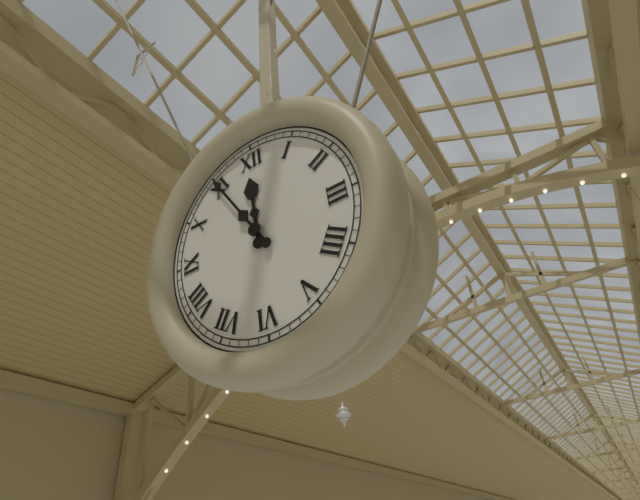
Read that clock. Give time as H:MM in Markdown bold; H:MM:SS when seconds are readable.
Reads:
**11:55**
